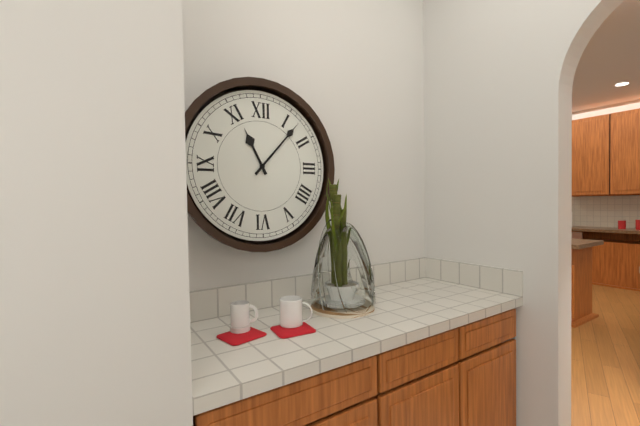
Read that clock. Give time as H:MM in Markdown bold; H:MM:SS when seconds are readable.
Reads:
**11:07**
